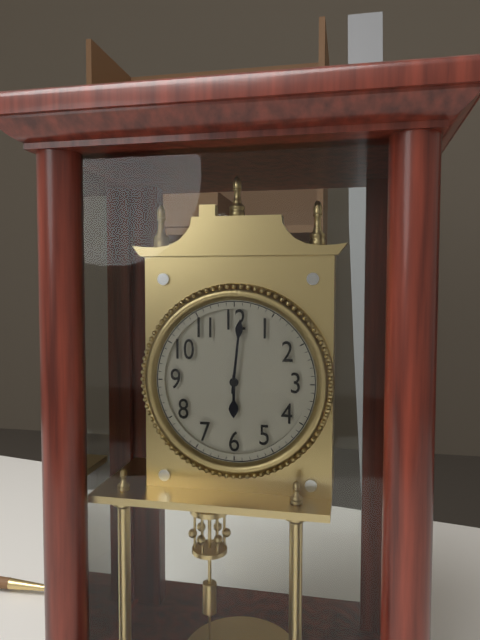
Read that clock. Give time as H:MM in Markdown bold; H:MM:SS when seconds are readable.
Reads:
**6:01**
